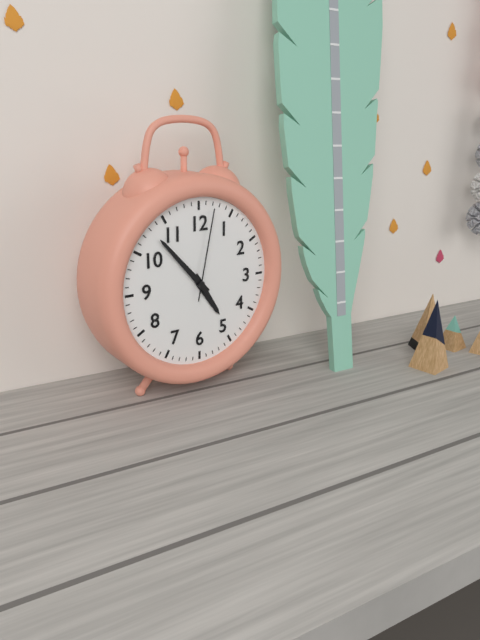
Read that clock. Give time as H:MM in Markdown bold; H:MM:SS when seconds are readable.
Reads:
**4:53:02**
